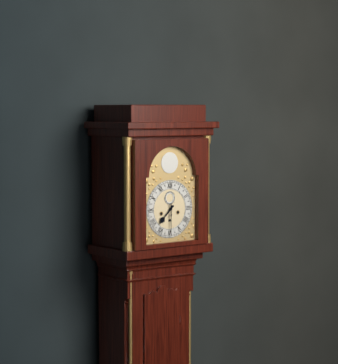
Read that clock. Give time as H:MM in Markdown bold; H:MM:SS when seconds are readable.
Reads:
**7:30**
